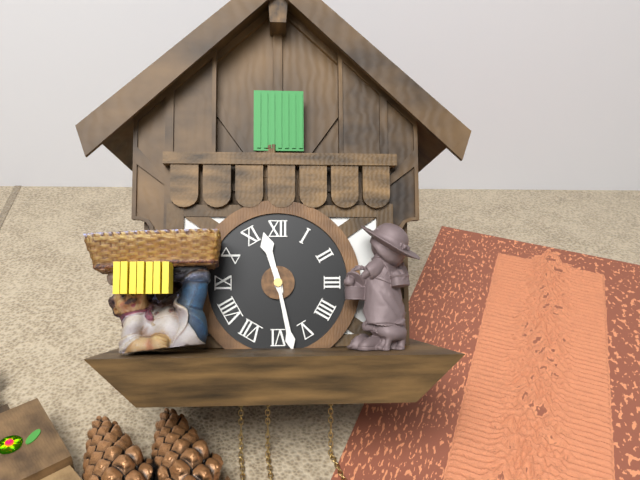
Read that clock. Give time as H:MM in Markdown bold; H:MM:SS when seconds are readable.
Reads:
**11:28**
